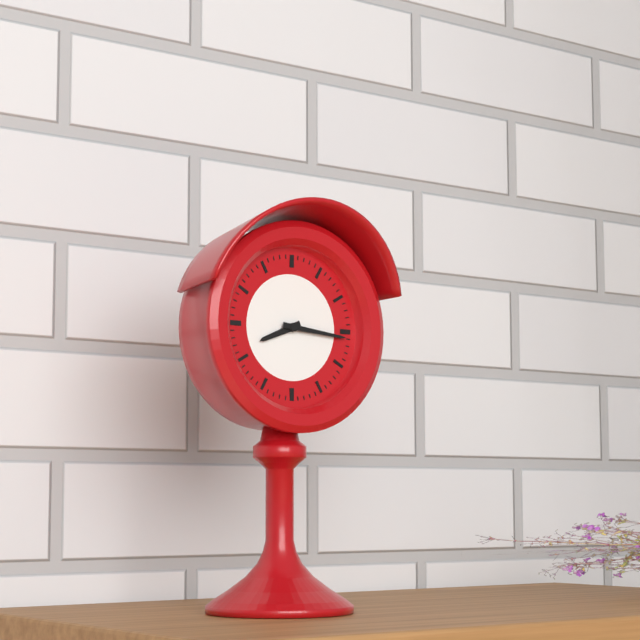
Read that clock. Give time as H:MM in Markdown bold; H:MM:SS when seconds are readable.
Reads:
**8:16**
